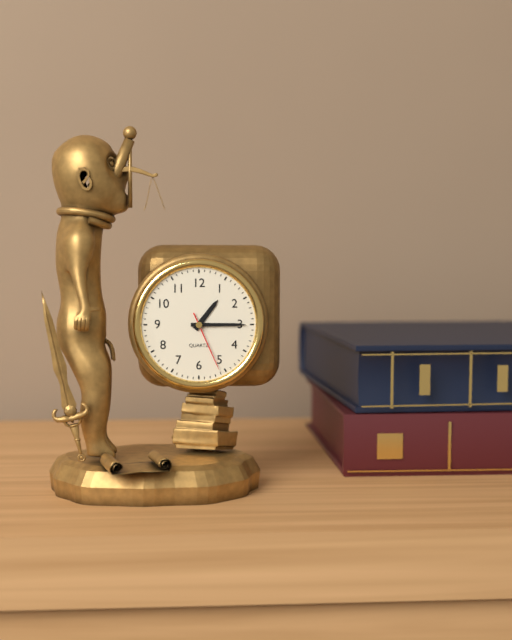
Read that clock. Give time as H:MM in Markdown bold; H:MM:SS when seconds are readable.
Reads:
**1:15:26**
